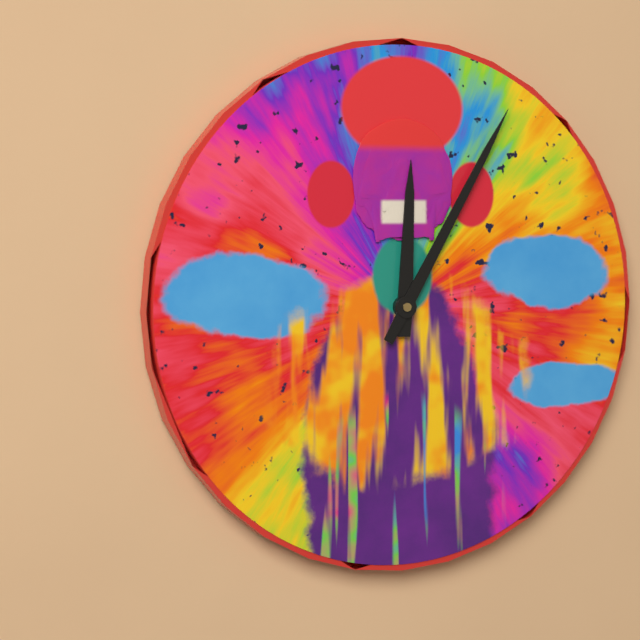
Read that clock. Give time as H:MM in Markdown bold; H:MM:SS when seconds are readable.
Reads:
**12:05**
